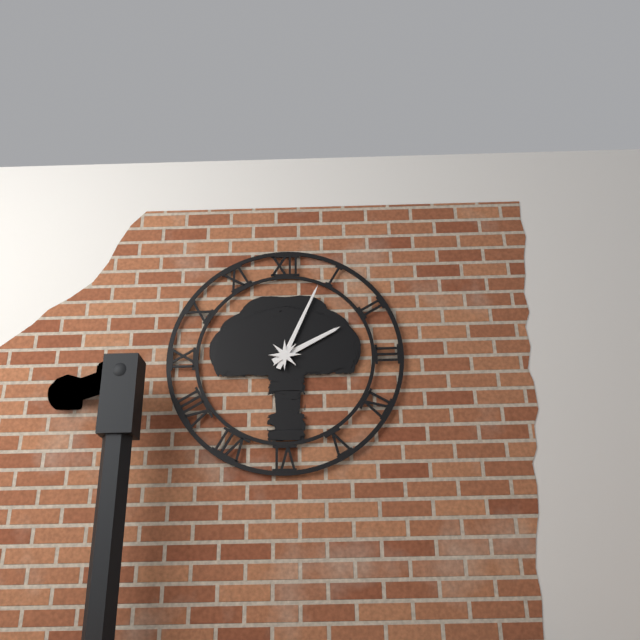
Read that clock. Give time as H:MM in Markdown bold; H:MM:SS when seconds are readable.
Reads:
**2:04**
